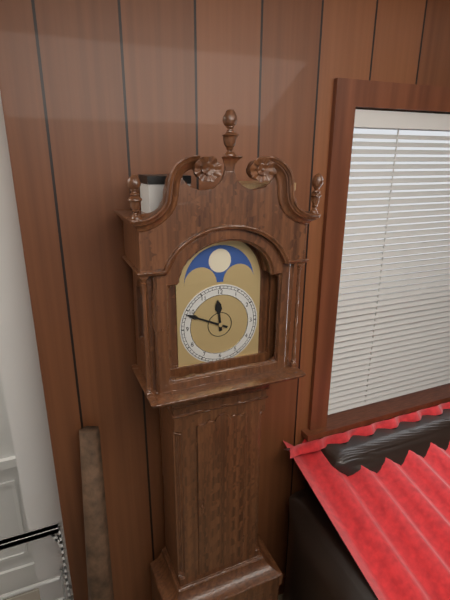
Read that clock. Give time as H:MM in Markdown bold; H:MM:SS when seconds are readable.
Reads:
**11:49**
